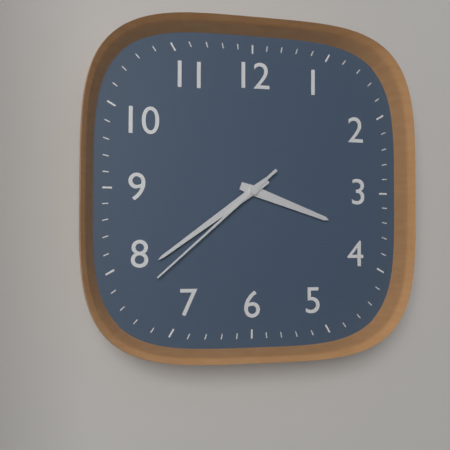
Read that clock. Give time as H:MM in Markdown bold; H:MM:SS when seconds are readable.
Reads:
**3:39:38**
